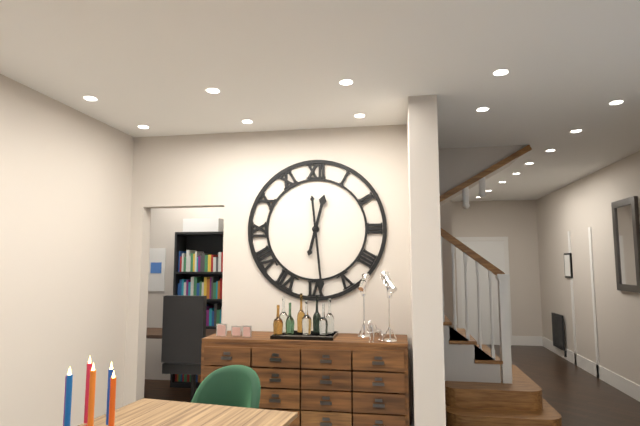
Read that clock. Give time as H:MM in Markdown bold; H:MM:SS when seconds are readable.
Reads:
**12:29**
